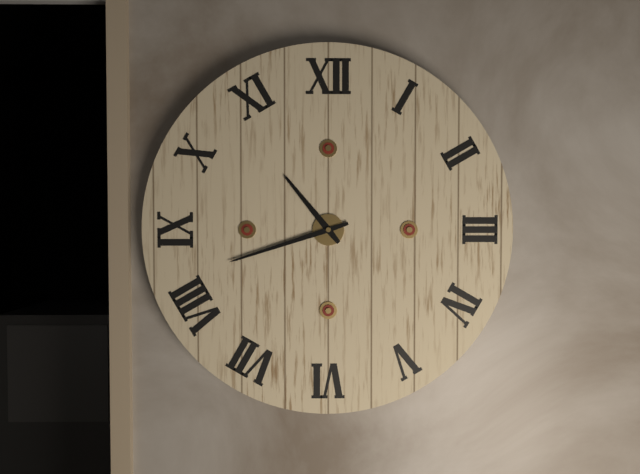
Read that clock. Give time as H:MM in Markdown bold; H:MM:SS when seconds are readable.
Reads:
**10:42**
